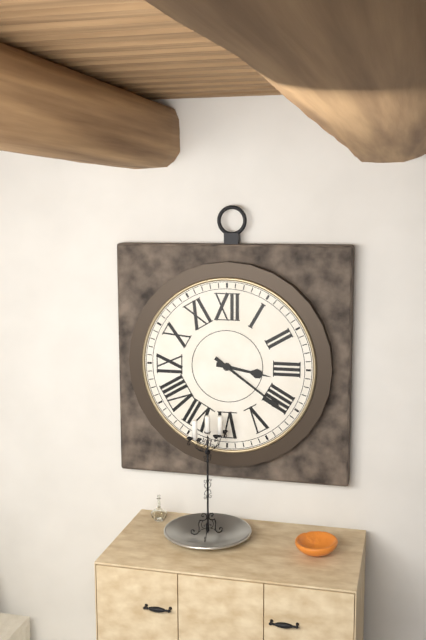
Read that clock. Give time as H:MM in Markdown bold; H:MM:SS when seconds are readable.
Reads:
**3:21**
